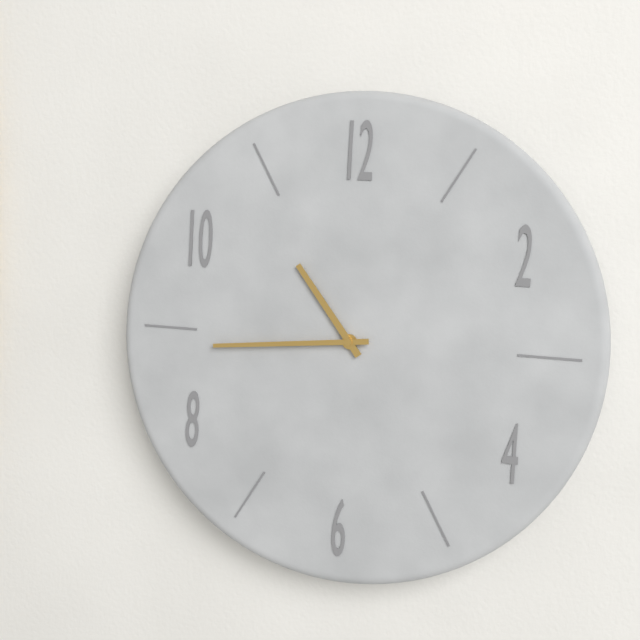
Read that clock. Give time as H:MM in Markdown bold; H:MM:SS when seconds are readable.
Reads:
**10:44**
